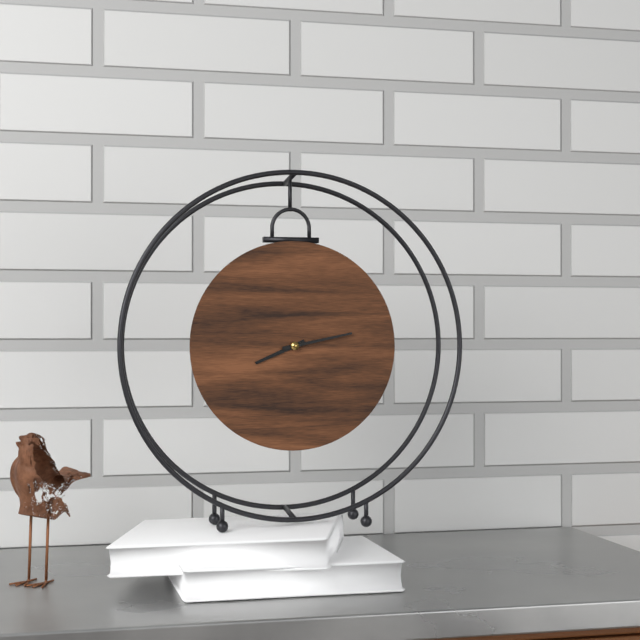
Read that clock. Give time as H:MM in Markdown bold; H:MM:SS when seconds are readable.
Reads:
**8:13**
